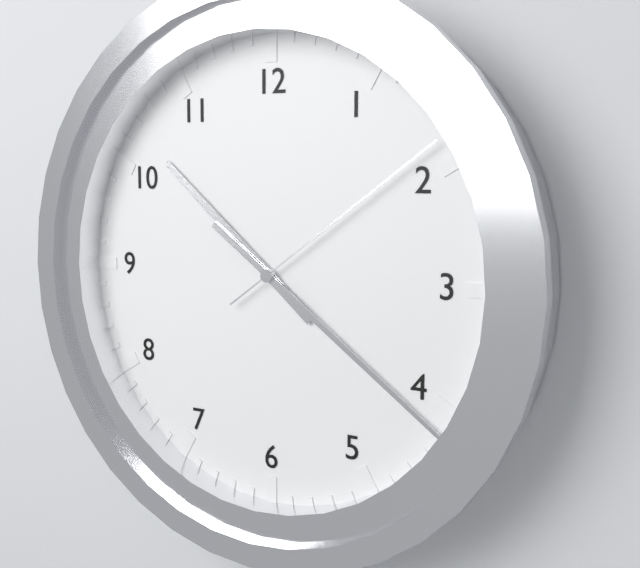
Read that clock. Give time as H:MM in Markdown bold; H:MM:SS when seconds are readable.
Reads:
**10:21:09**
